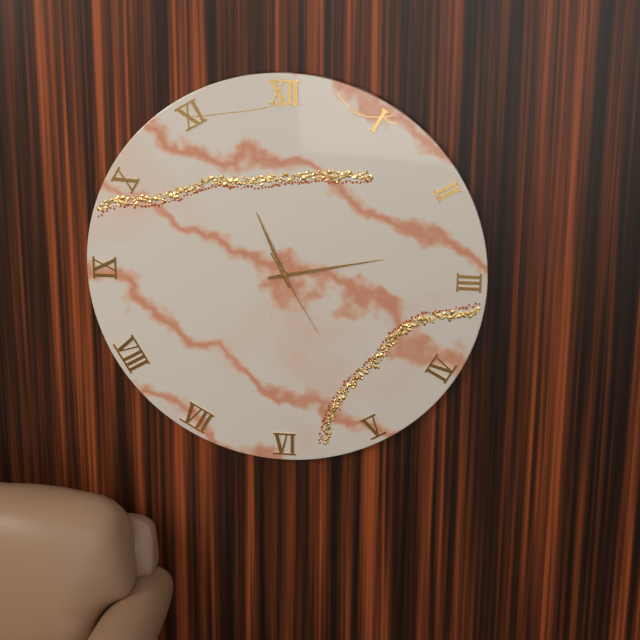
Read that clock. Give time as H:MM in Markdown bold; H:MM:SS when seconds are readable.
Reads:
**11:13:25**
